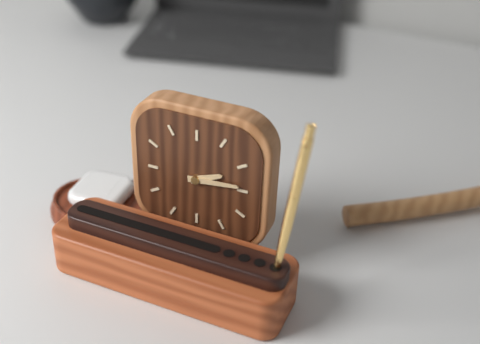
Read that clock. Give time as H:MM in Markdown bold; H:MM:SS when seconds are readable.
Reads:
**2:14**
